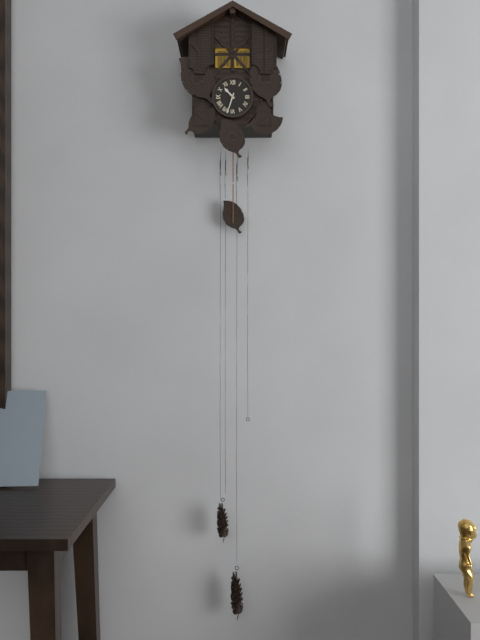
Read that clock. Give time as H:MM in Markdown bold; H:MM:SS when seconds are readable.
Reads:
**10:33**
